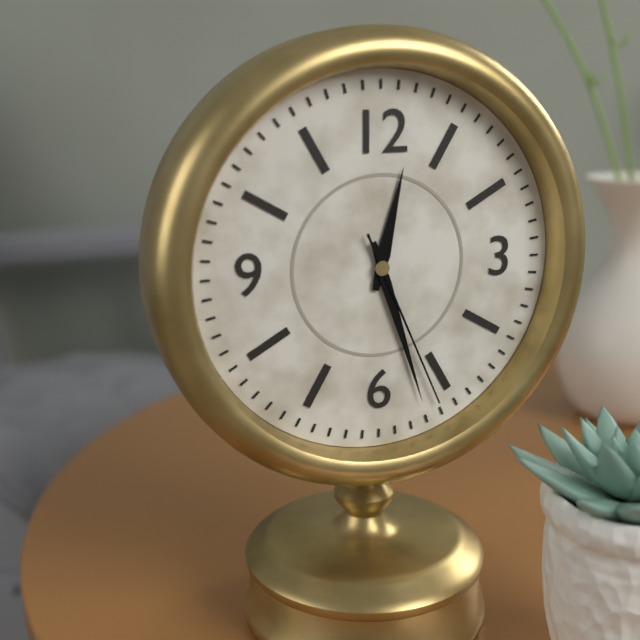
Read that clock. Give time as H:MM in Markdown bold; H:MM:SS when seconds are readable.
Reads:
**12:27:26**
